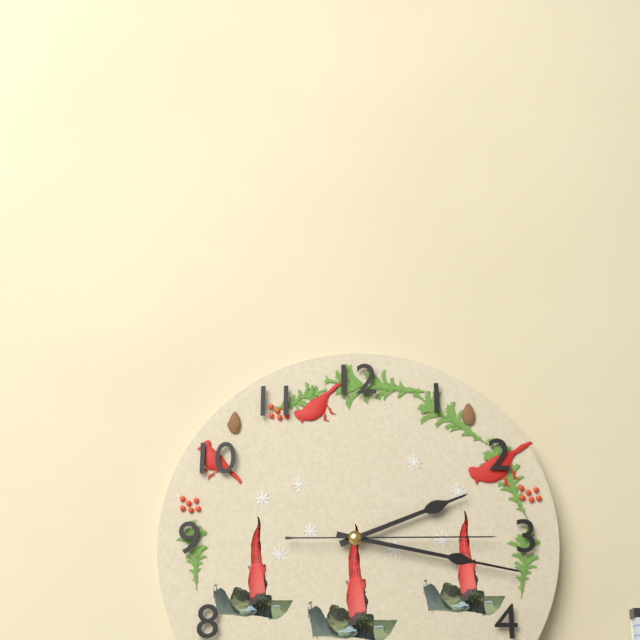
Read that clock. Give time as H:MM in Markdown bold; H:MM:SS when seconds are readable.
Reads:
**2:17:15**
